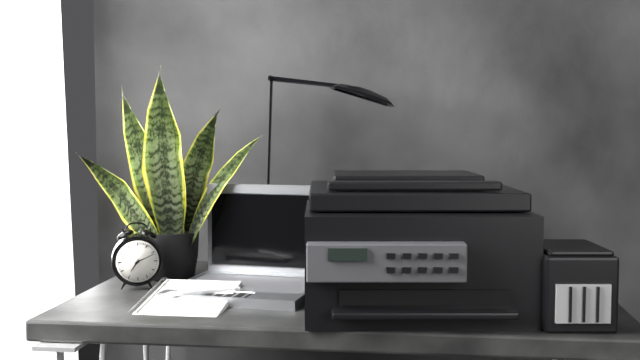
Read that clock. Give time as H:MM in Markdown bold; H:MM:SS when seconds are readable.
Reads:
**7:11**
